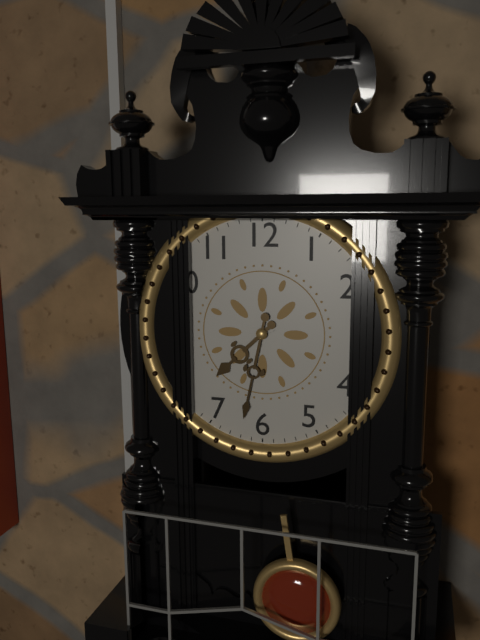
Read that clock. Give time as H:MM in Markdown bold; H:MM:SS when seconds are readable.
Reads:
**7:32**
